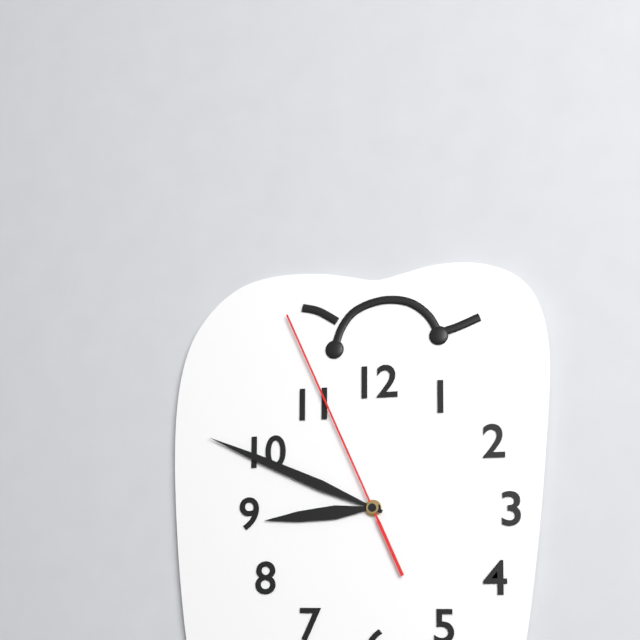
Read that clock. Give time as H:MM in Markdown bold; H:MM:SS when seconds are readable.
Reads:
**8:49:56**
